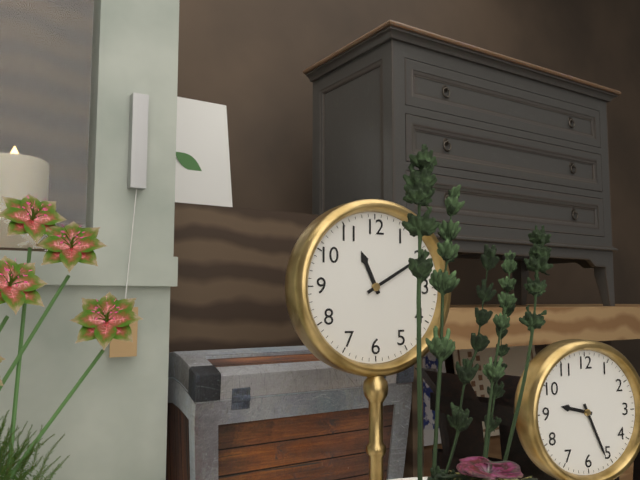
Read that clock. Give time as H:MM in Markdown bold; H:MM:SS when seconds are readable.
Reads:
**11:10**
